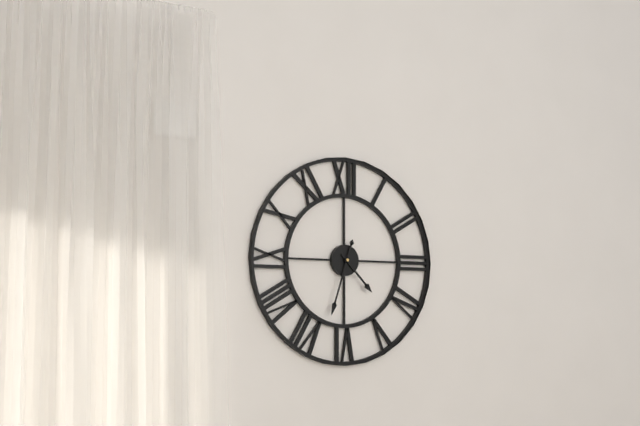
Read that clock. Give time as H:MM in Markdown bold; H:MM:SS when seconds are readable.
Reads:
**4:33**
